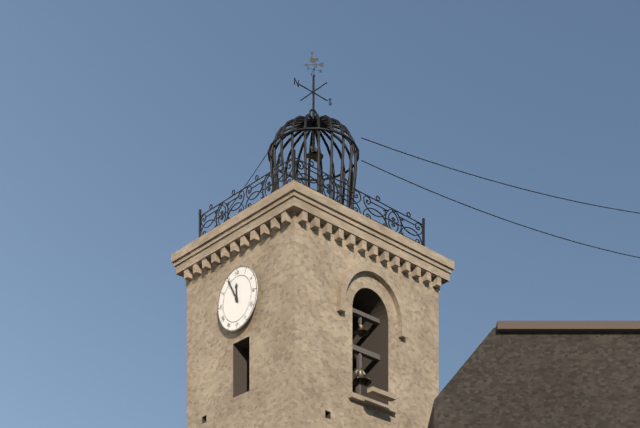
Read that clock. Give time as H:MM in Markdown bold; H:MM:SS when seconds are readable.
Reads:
**11:55**
